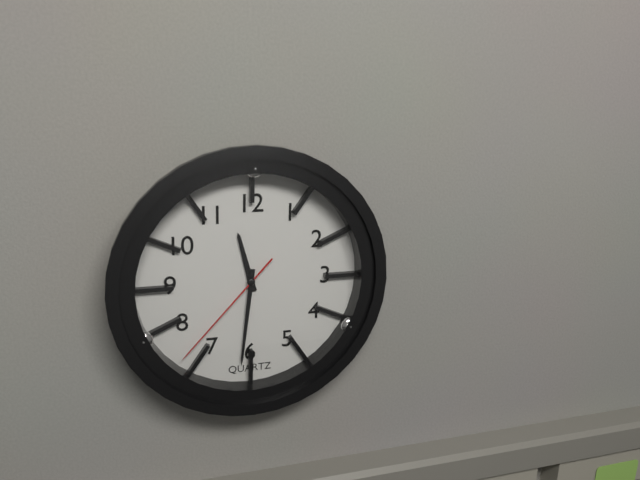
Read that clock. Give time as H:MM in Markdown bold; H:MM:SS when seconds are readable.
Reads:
**11:31:37**
